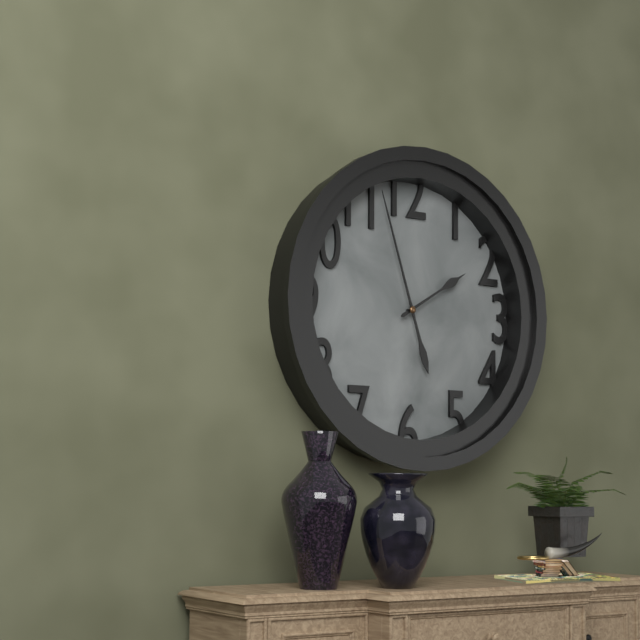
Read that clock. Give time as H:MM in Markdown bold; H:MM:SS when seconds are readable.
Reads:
**1:57**
